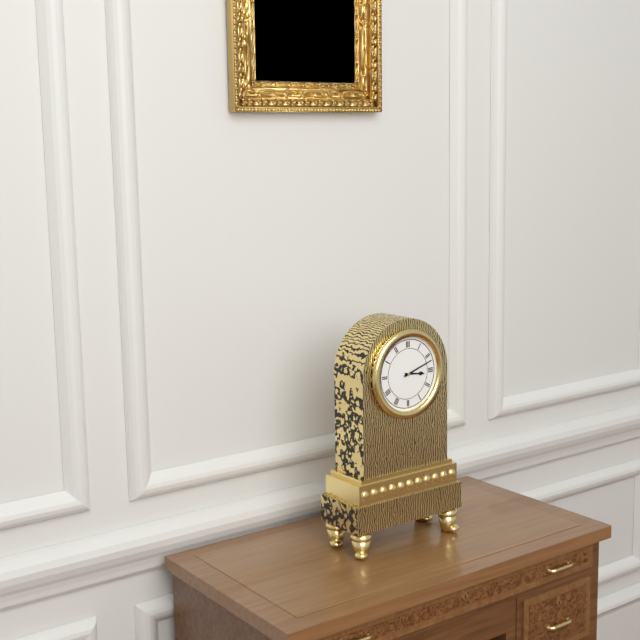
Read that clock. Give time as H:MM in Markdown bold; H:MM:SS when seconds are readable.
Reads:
**3:12**
